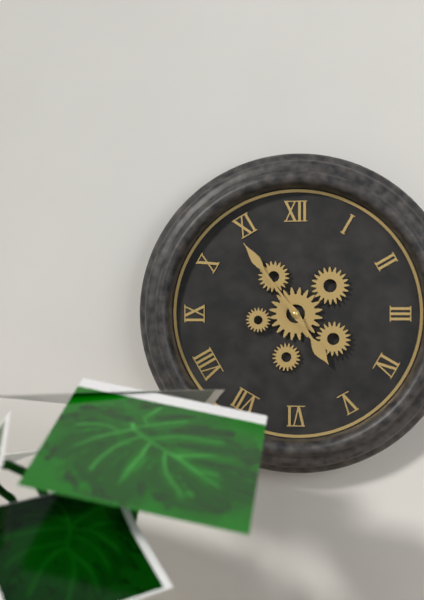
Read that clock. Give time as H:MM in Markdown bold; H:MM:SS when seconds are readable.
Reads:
**4:54**
